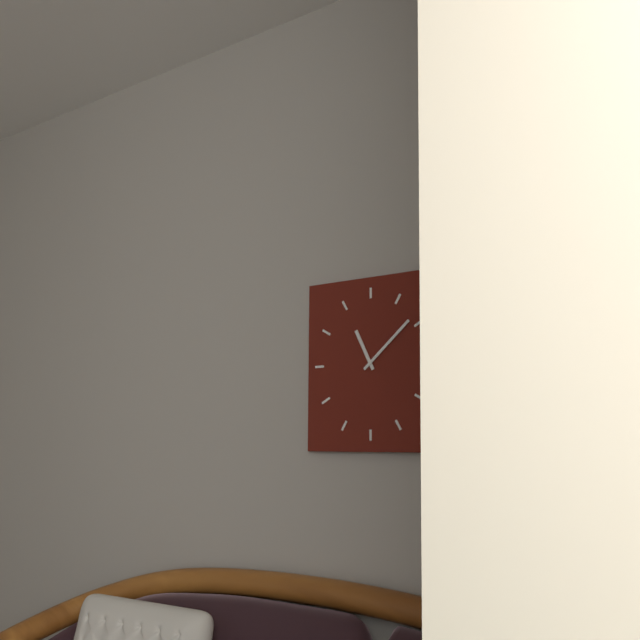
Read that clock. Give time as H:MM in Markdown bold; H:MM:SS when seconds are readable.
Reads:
**11:08**
